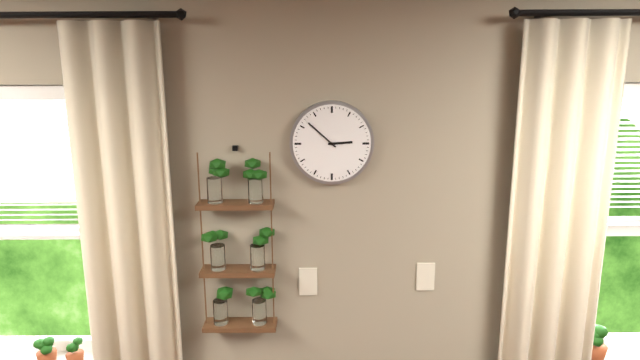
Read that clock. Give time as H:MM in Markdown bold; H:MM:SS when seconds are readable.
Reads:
**2:52**
